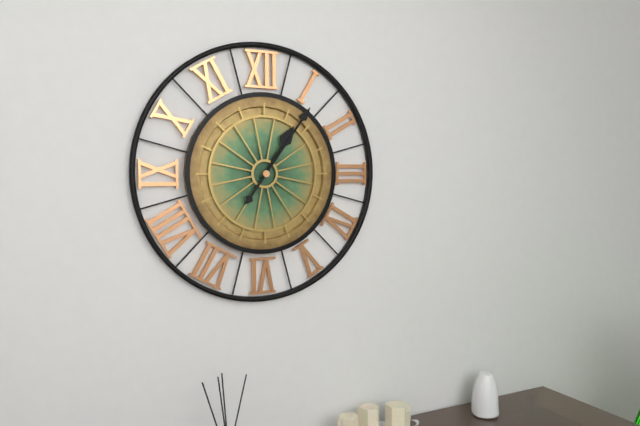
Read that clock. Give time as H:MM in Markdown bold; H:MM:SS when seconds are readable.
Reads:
**1:06**
